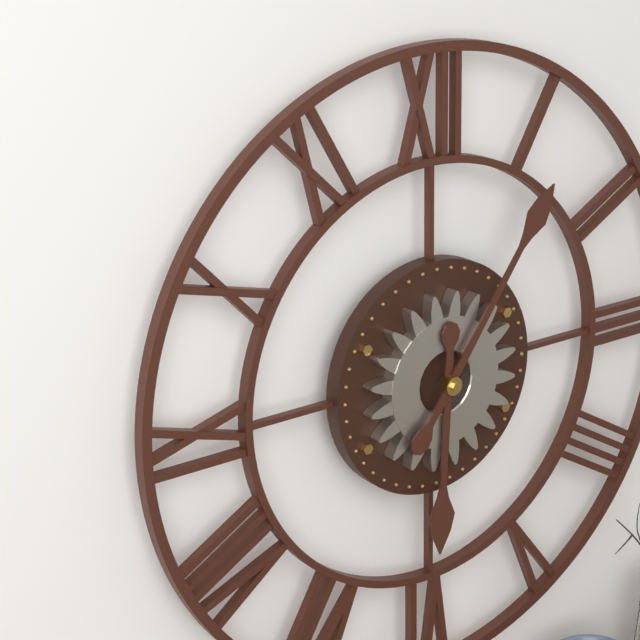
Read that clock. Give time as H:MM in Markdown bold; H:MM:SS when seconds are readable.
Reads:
**6:06**
